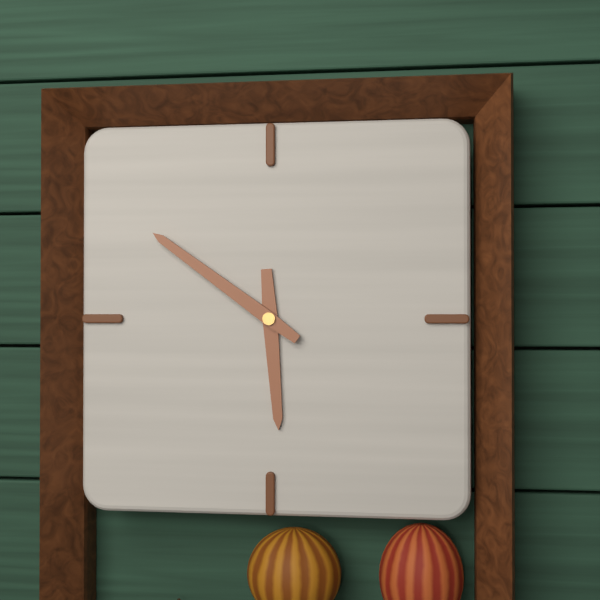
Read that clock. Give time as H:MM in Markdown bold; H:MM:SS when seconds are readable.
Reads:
**5:51**
